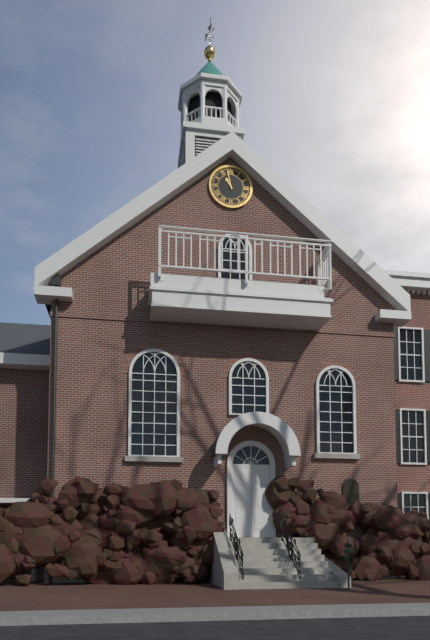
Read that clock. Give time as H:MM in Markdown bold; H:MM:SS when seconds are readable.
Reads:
**10:58**
